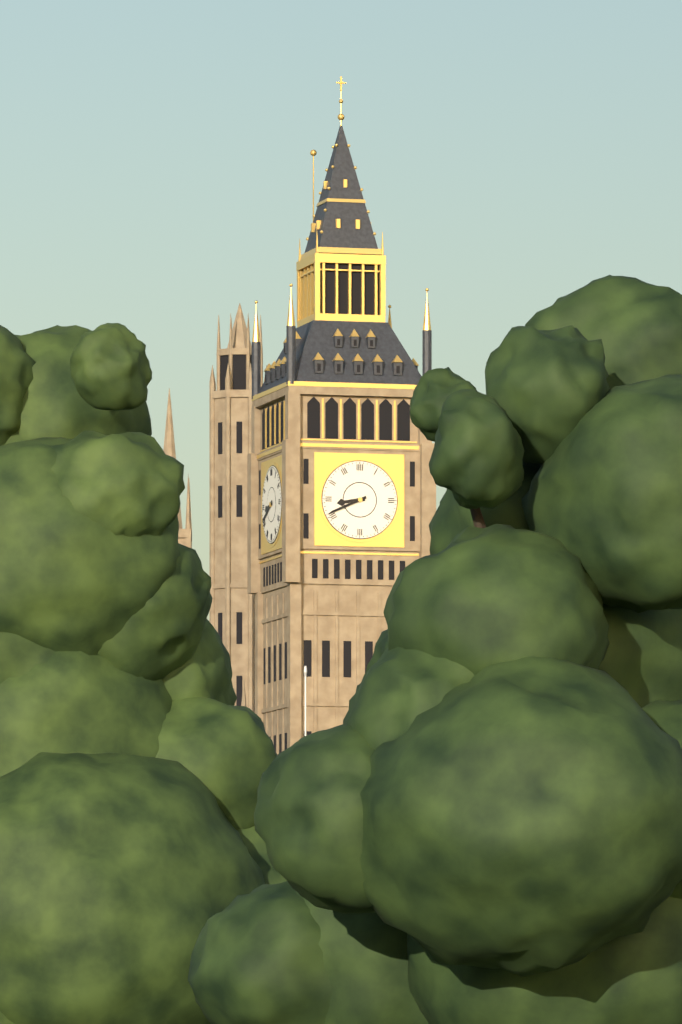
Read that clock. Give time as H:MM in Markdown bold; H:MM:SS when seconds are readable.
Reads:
**8:41**
